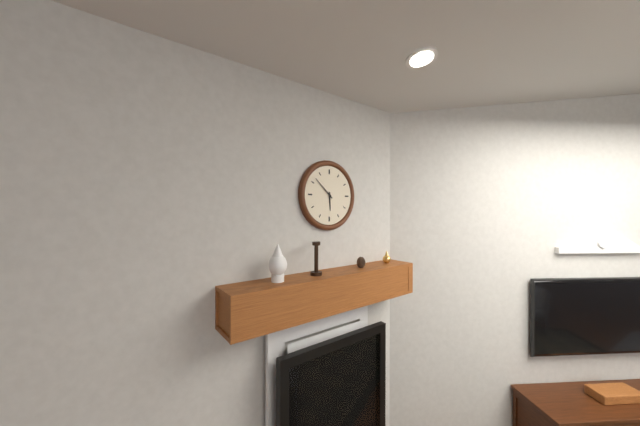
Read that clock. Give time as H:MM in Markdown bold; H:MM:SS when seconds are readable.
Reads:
**5:52**
